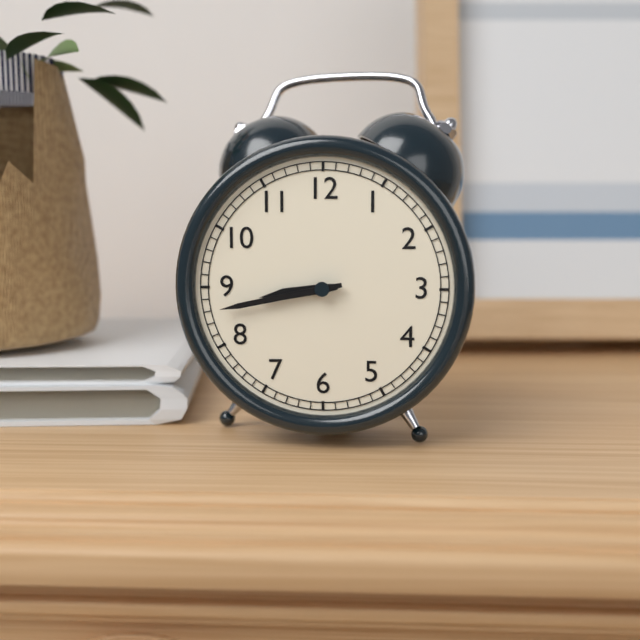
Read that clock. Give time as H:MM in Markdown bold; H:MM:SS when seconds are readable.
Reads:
**8:43**
